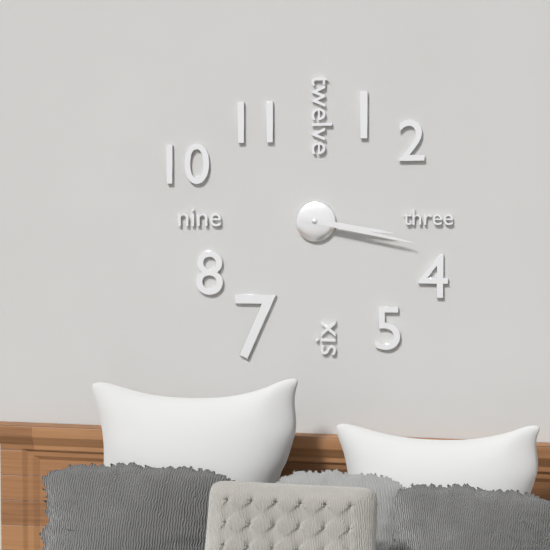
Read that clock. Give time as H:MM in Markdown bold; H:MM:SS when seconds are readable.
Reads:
**3:17**
